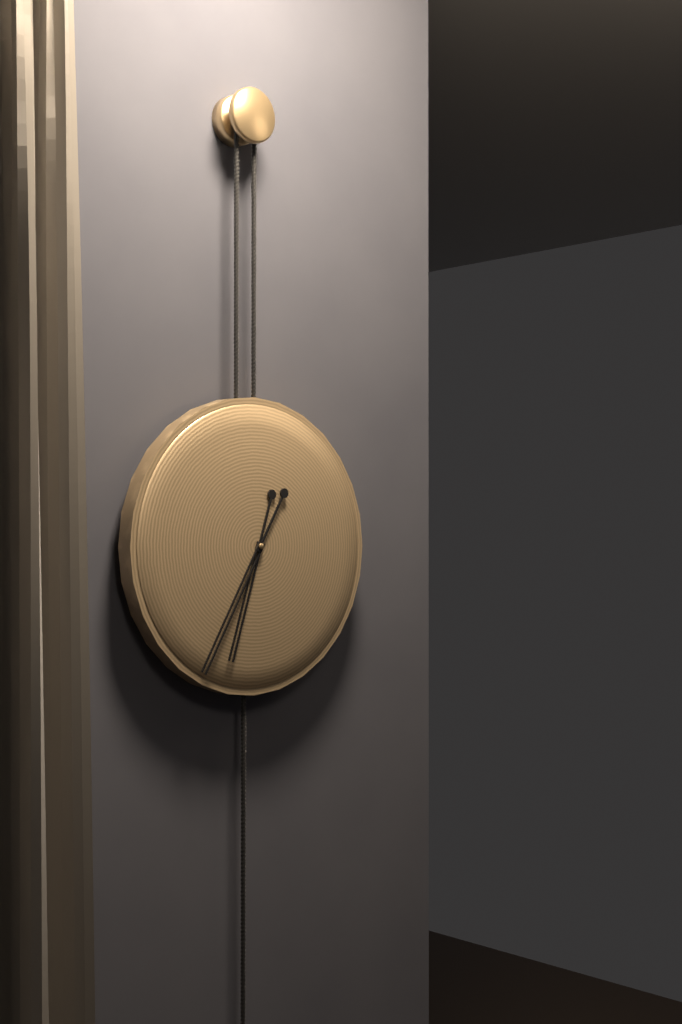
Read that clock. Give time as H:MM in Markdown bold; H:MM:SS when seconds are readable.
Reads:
**6:35**
